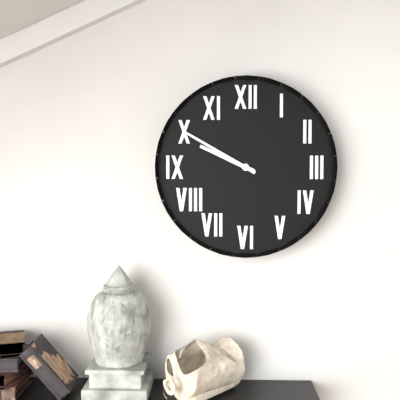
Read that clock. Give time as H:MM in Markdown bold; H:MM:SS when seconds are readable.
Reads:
**9:50**
